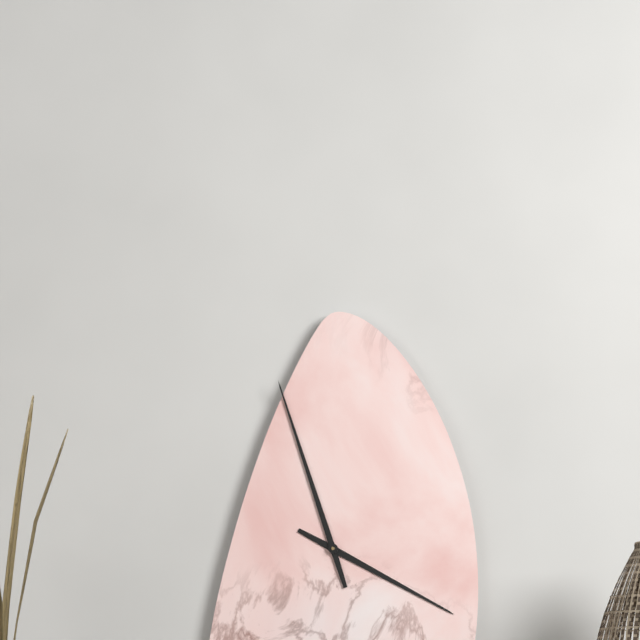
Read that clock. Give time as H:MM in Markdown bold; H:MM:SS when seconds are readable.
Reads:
**3:57**
